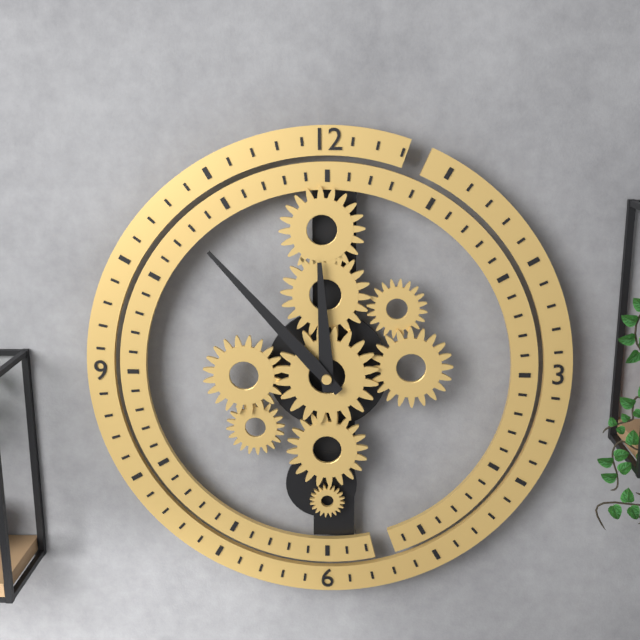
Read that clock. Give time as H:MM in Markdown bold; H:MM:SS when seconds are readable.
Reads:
**11:53**
